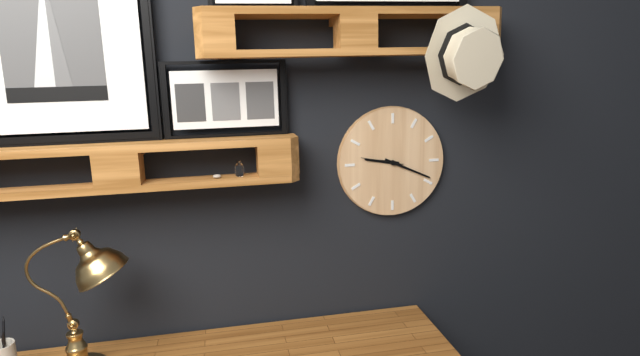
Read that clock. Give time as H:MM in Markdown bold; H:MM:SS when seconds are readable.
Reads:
**9:19**
